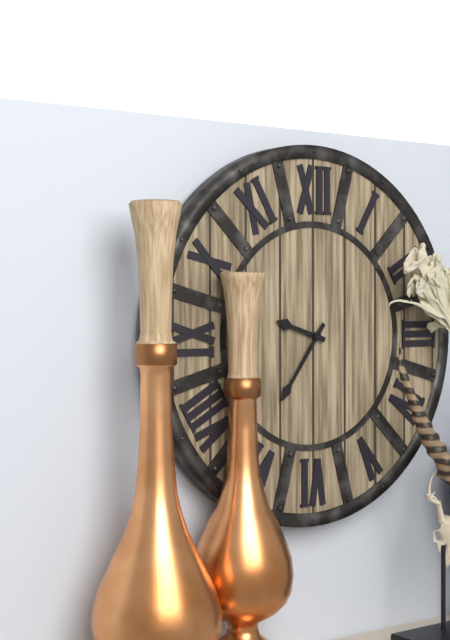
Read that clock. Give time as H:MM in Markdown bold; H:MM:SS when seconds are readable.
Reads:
**9:36**
